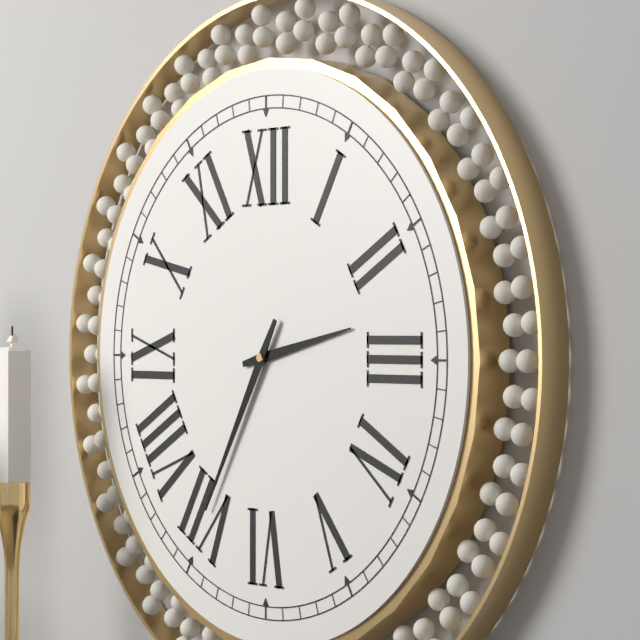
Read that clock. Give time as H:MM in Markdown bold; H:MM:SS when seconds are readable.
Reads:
**2:35**
